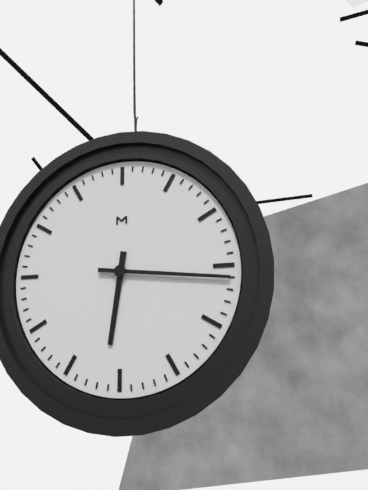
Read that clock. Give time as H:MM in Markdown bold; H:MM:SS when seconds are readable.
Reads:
**6:16**
